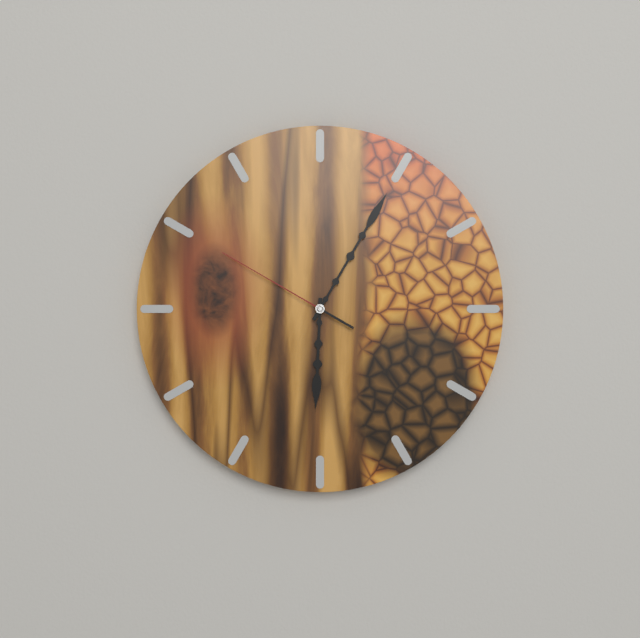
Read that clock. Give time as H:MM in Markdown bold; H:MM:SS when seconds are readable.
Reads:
**6:05:50**
